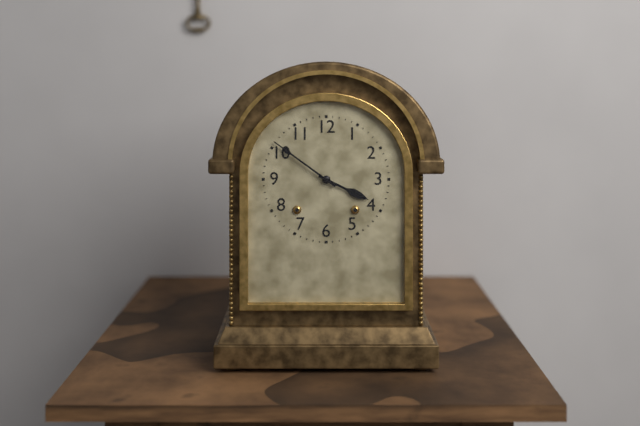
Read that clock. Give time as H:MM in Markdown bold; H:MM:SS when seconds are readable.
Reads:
**3:51**
